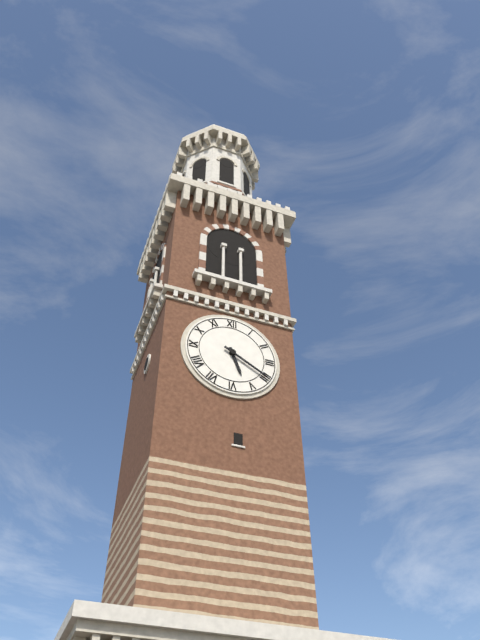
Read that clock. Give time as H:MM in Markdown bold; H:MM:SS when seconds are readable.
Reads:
**5:20**
